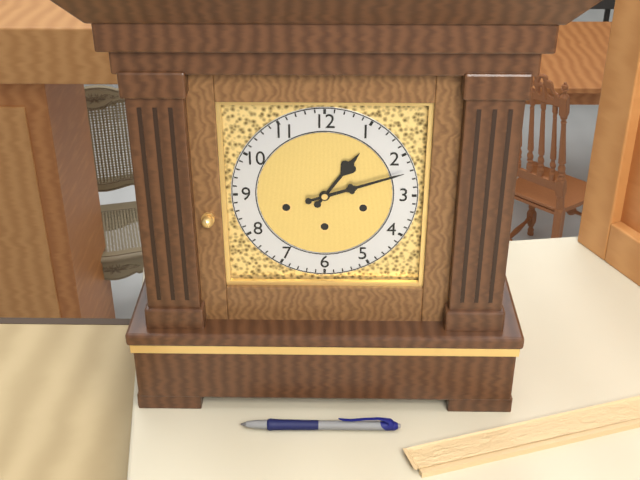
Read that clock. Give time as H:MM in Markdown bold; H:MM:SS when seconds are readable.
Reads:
**1:12**
